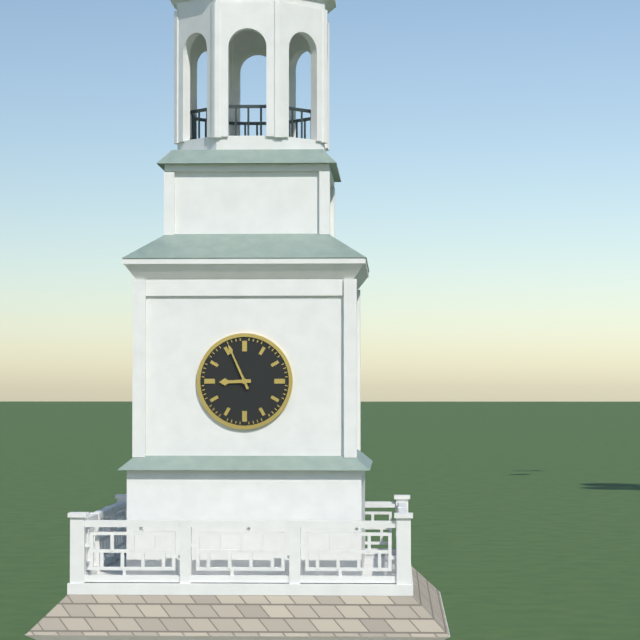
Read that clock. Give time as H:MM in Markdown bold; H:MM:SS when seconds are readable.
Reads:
**8:56**
